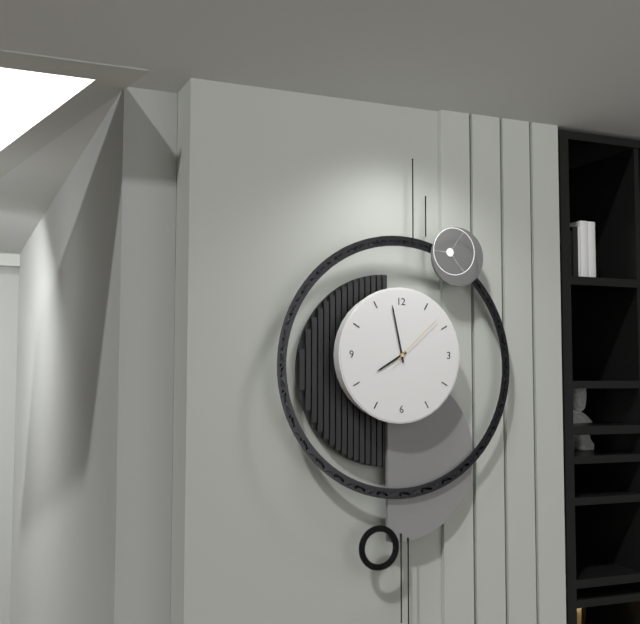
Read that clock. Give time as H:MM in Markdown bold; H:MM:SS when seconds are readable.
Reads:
**7:58:08**
